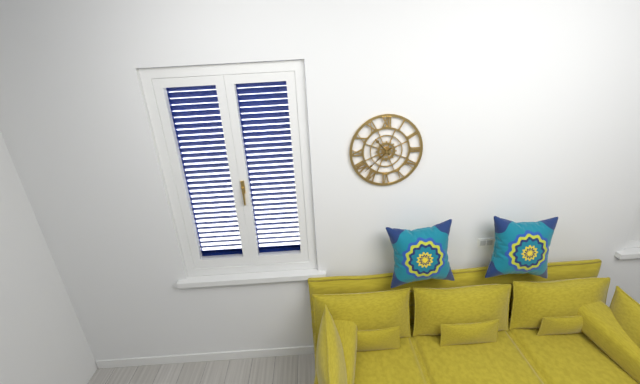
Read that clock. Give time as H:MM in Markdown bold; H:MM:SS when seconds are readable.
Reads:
**10:38**
